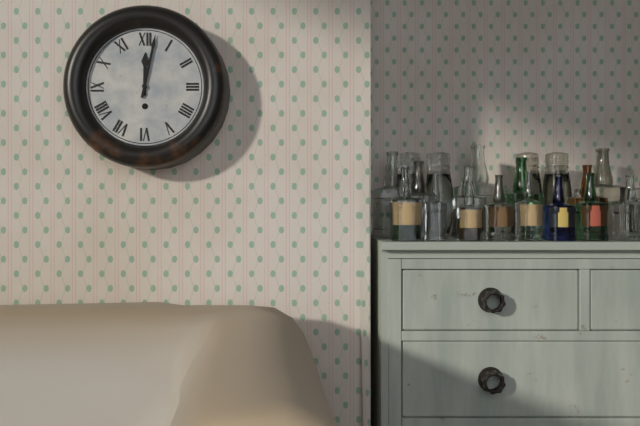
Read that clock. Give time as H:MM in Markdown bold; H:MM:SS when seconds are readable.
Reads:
**12:02**
